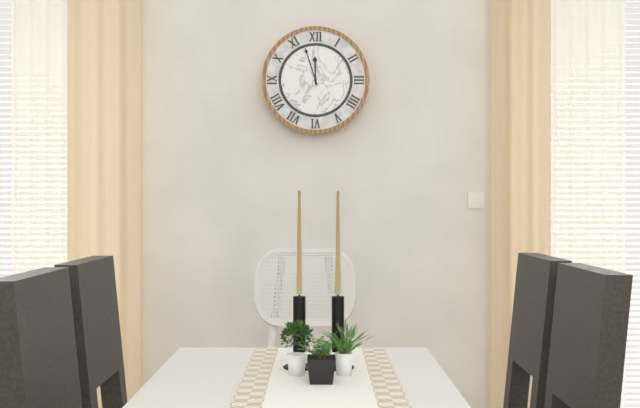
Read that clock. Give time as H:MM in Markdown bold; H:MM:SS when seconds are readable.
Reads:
**11:57**
